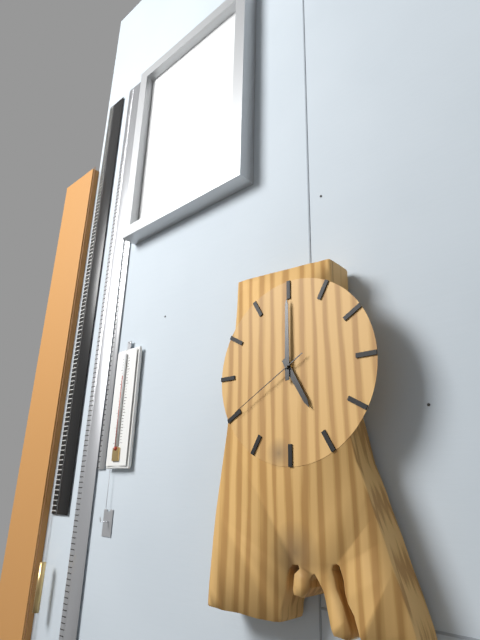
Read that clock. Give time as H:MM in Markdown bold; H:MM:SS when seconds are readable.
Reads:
**5:00:40**
